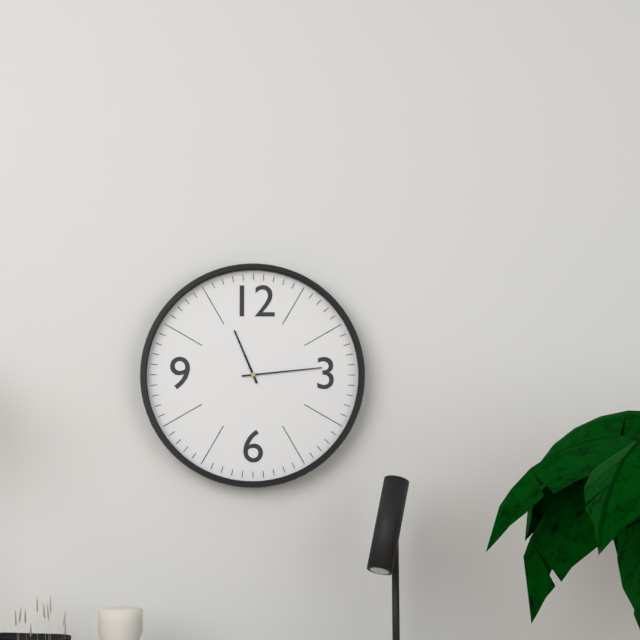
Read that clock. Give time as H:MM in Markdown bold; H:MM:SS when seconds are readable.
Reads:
**11:14**
